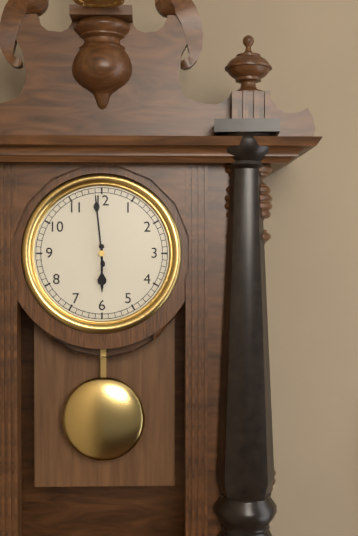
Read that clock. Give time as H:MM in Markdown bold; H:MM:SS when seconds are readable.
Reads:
**5:59**
